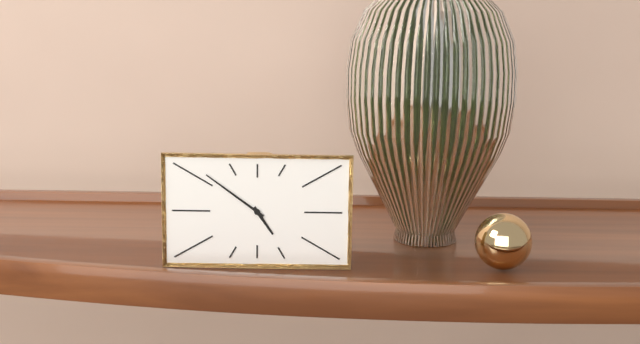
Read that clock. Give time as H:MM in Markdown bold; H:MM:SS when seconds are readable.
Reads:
**4:51**
